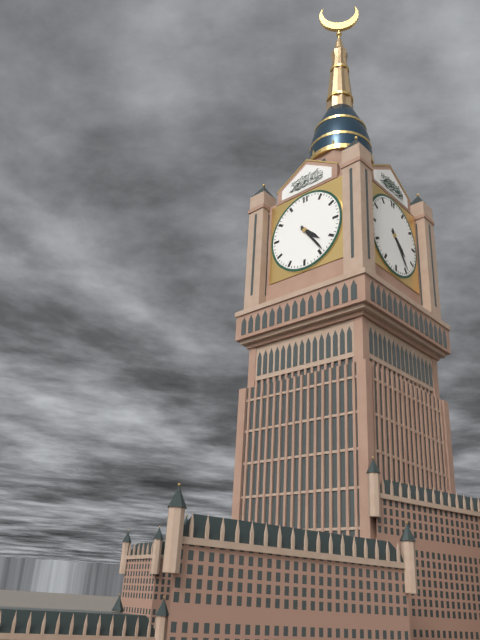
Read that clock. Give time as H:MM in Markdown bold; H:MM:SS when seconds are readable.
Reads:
**4:24**
